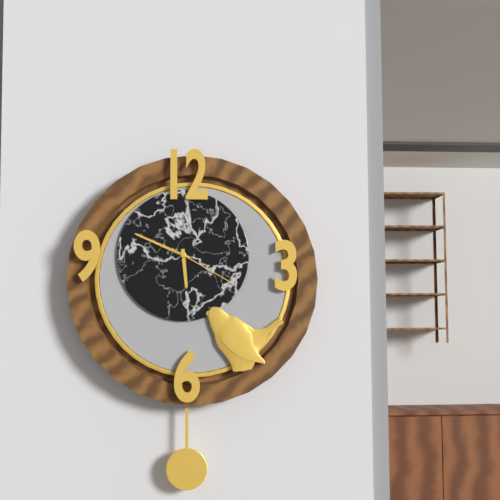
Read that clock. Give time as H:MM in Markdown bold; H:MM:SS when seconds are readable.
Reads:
**5:49:20**
